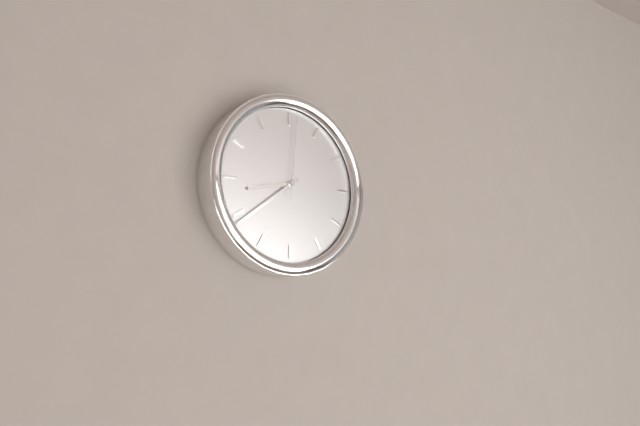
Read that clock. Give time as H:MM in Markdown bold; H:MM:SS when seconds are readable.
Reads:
**8:39:01**
